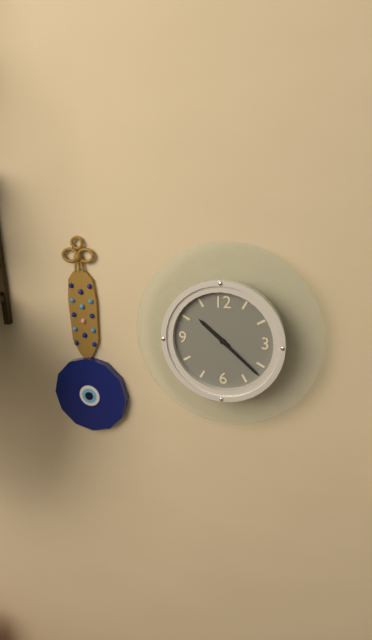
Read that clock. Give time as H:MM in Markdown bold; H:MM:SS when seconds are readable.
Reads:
**10:22**
